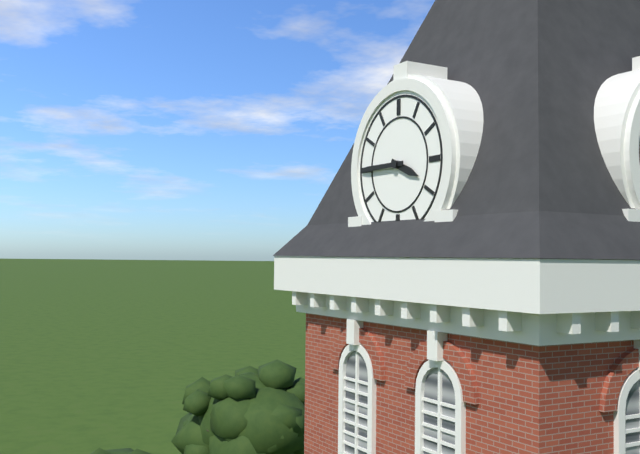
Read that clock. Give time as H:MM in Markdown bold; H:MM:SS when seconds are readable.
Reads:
**3:45**
